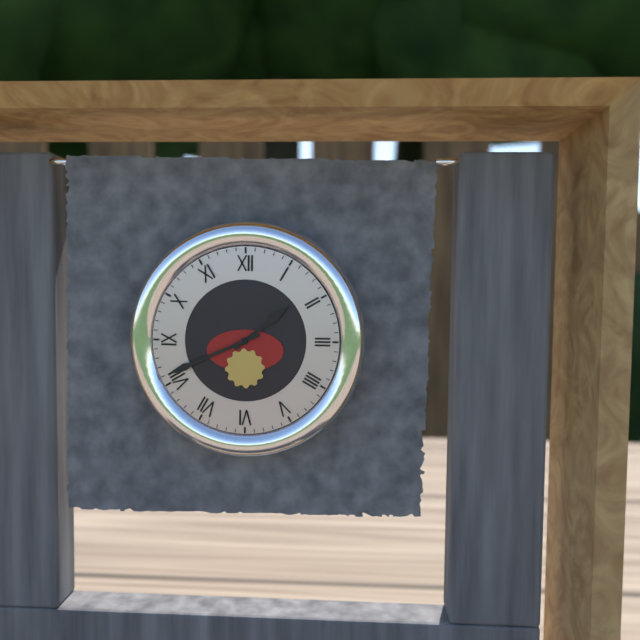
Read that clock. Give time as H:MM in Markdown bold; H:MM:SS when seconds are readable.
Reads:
**1:41**
